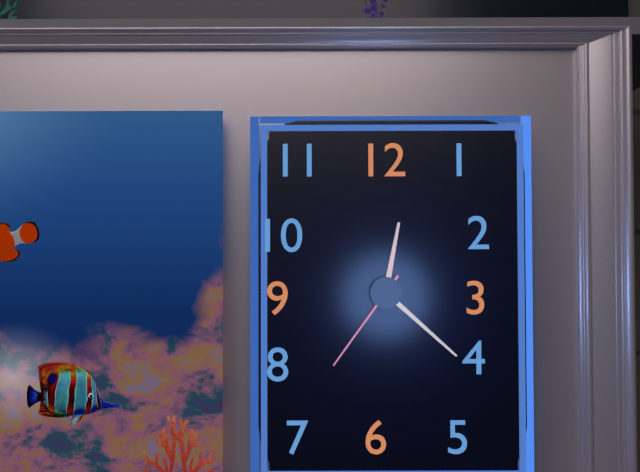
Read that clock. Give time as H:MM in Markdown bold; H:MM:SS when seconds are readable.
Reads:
**12:22:36**
